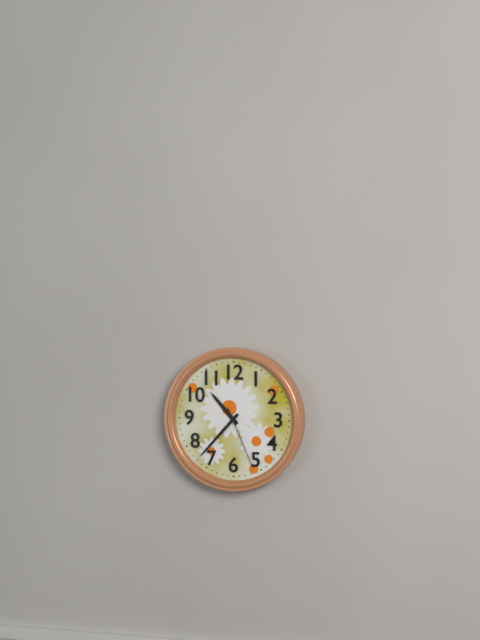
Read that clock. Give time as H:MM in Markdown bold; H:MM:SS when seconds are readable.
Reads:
**10:37:26**
